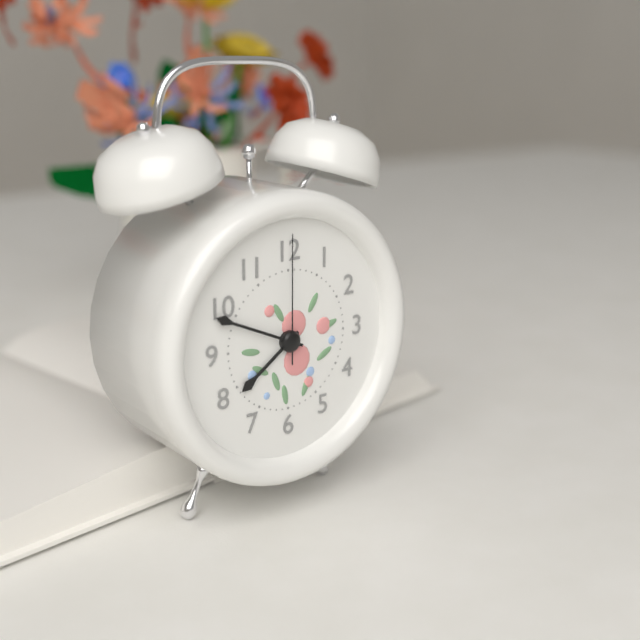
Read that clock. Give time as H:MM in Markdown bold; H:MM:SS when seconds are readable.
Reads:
**7:49:00**
